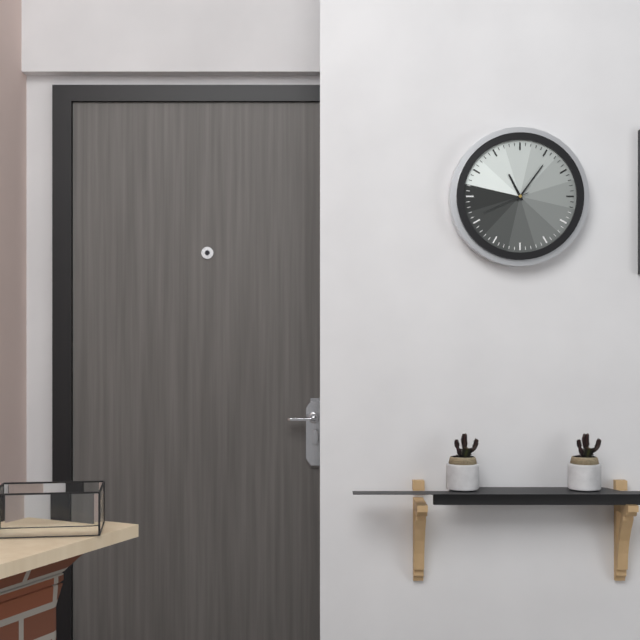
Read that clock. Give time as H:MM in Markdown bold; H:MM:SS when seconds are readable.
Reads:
**11:06:41**
